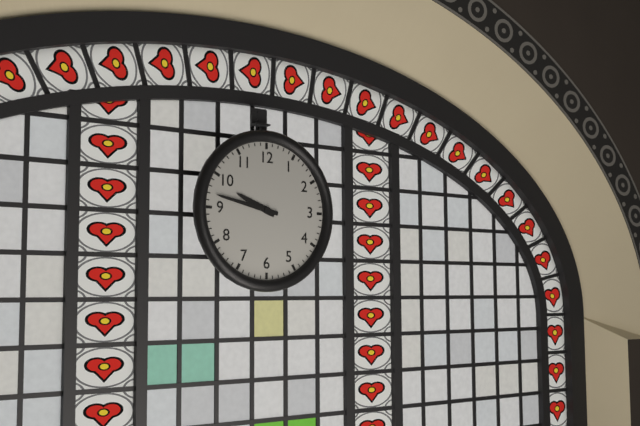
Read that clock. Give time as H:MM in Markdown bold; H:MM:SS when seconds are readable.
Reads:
**9:47**
